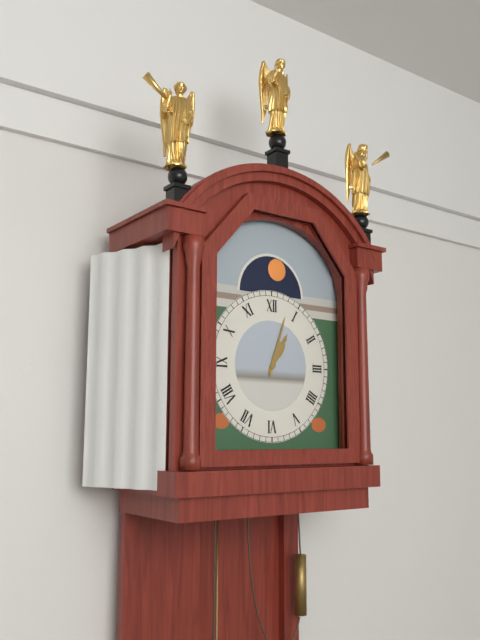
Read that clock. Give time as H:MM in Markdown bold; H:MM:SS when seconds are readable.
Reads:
**1:03**
